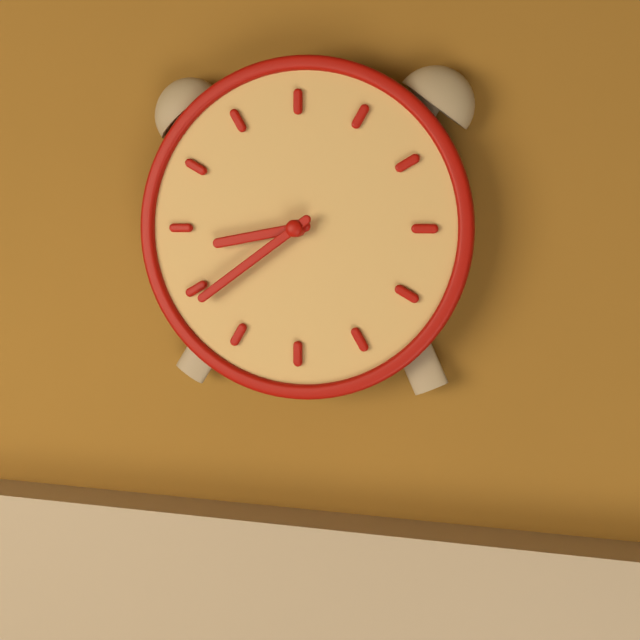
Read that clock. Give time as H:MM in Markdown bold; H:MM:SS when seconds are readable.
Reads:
**8:39**
